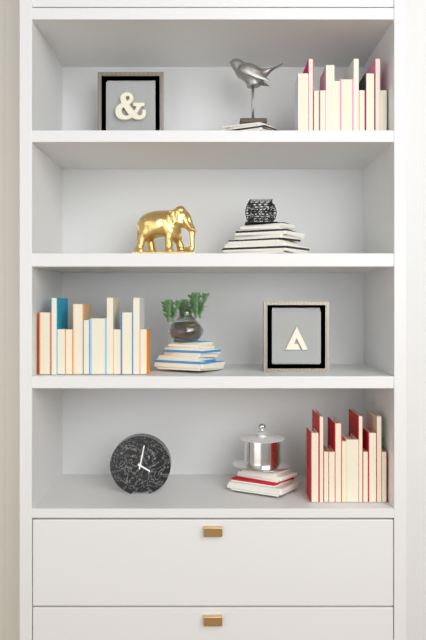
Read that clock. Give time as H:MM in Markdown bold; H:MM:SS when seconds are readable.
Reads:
**4:02**
